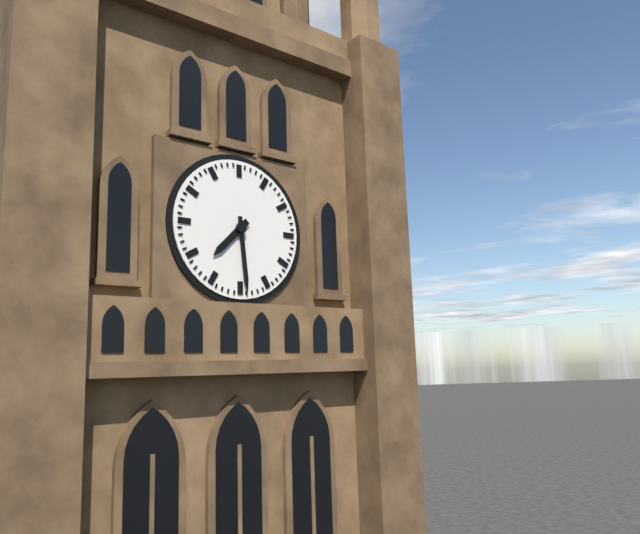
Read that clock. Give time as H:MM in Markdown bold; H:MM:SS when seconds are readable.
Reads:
**7:29**
